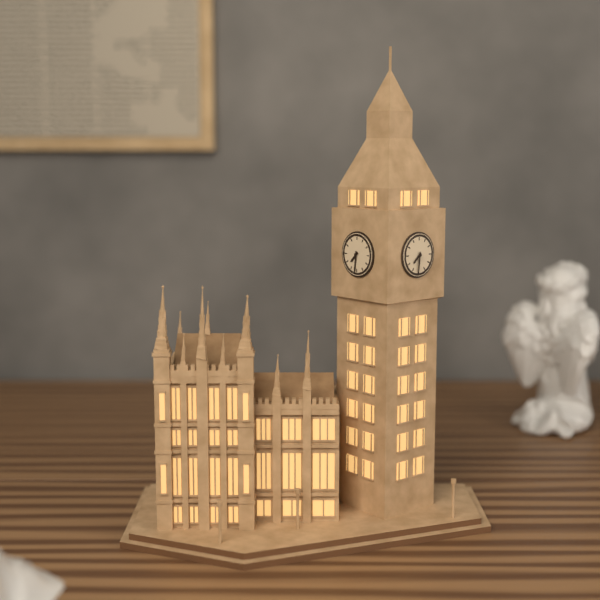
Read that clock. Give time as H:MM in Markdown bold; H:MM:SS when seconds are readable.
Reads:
**7:31**
